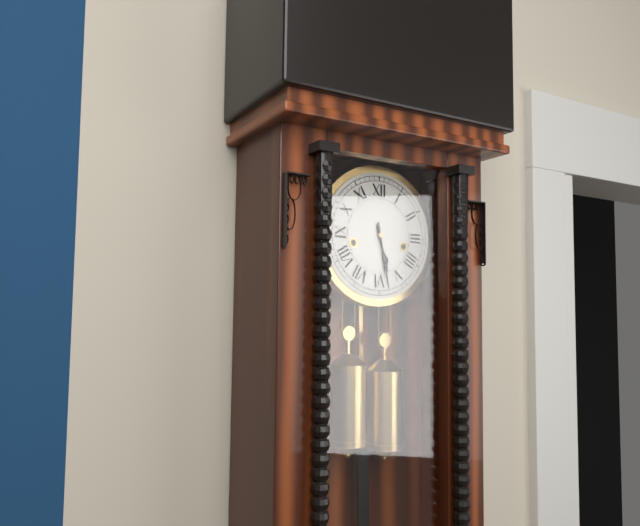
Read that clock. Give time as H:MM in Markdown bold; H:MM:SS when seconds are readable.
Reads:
**5:28**
